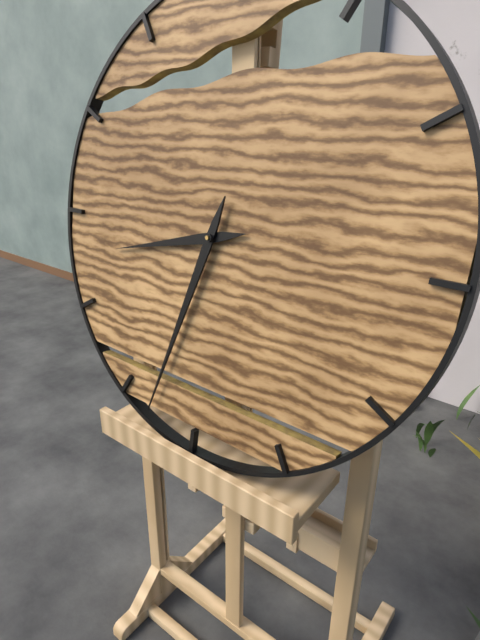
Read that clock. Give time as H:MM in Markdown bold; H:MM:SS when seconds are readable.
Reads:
**8:33**
